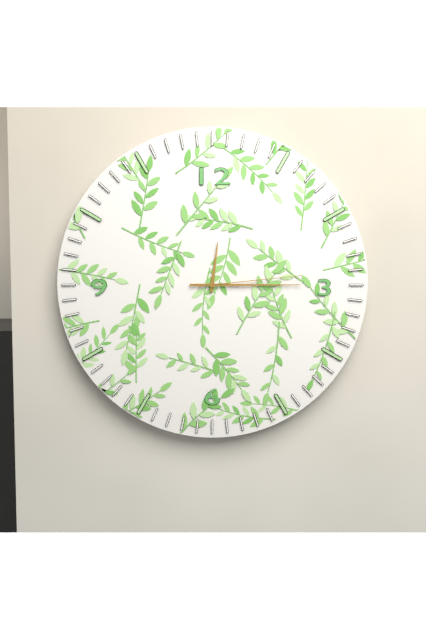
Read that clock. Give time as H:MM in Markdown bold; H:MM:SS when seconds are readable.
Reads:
**12:15:14**
